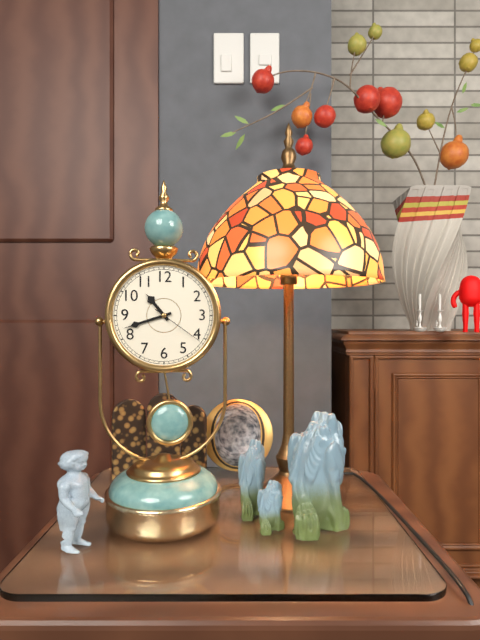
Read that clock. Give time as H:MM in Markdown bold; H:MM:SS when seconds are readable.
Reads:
**10:42:21**
